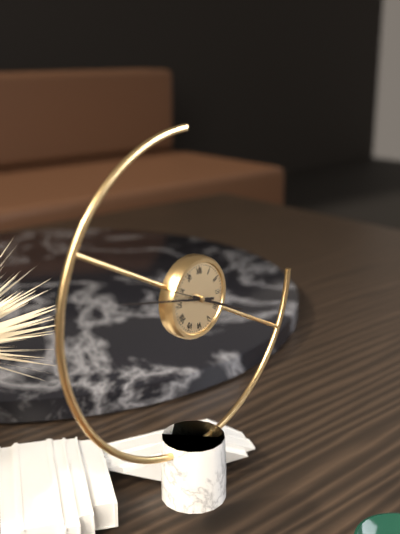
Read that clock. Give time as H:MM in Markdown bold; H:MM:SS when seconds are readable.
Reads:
**3:47:49**
